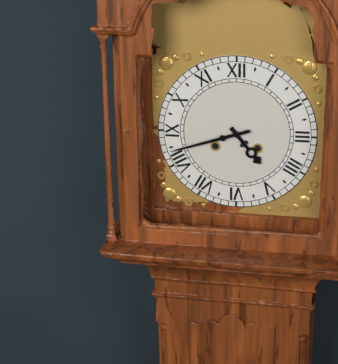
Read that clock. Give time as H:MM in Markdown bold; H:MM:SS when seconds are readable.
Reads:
**4:42**
